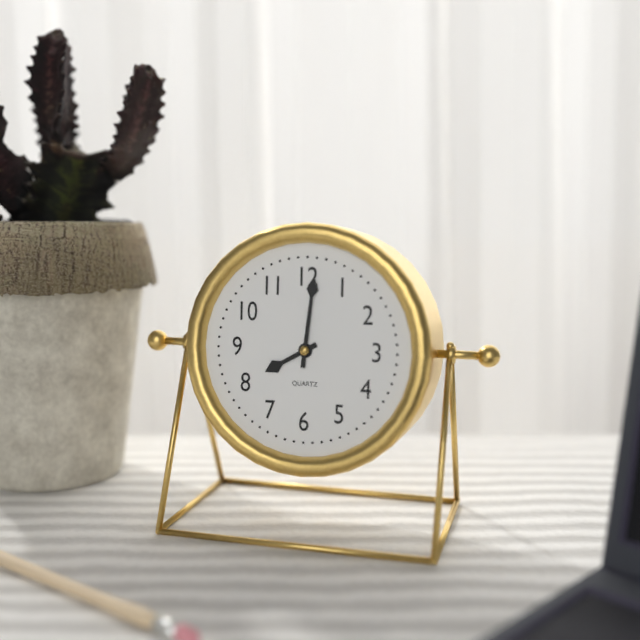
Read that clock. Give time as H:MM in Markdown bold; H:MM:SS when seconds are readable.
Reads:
**8:01**
